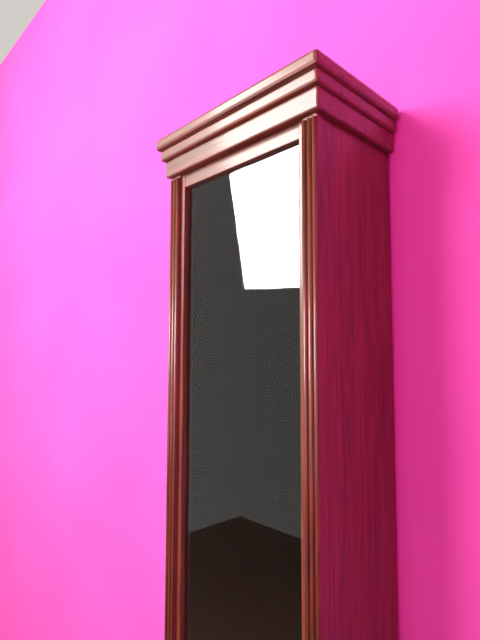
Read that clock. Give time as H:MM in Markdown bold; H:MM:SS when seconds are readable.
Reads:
**12:41**
